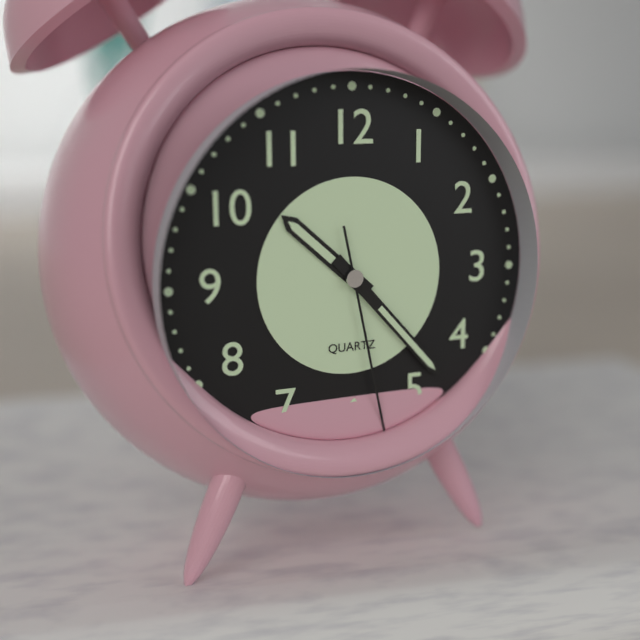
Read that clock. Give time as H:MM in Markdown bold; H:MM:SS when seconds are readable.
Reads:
**10:23:28**
